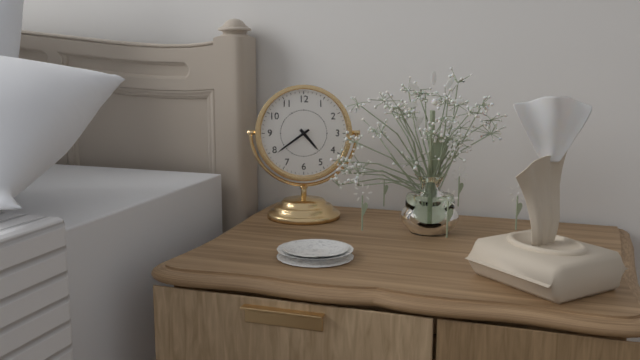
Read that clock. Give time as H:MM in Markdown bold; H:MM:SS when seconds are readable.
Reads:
**4:39**
